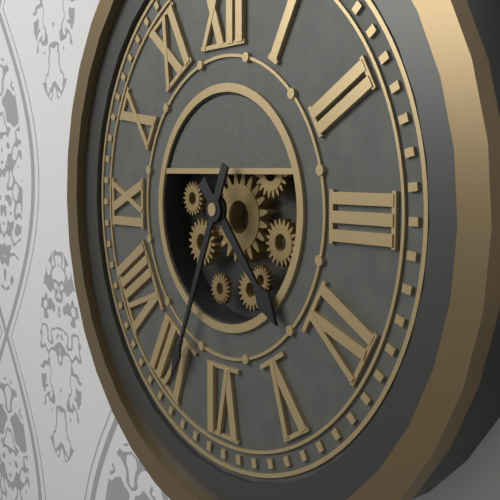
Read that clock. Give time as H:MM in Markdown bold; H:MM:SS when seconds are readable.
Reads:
**4:34**
